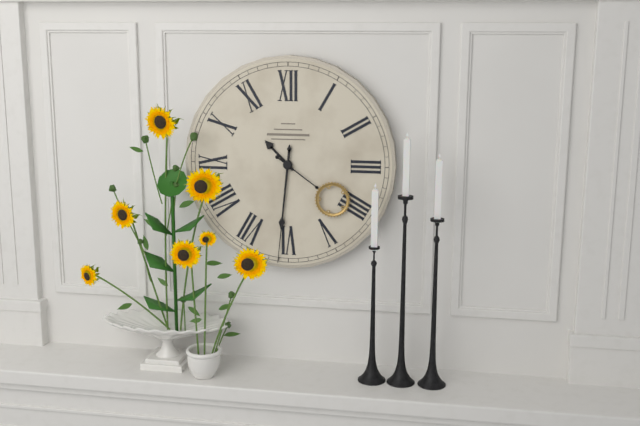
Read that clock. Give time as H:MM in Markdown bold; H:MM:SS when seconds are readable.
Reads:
**10:31:21**
